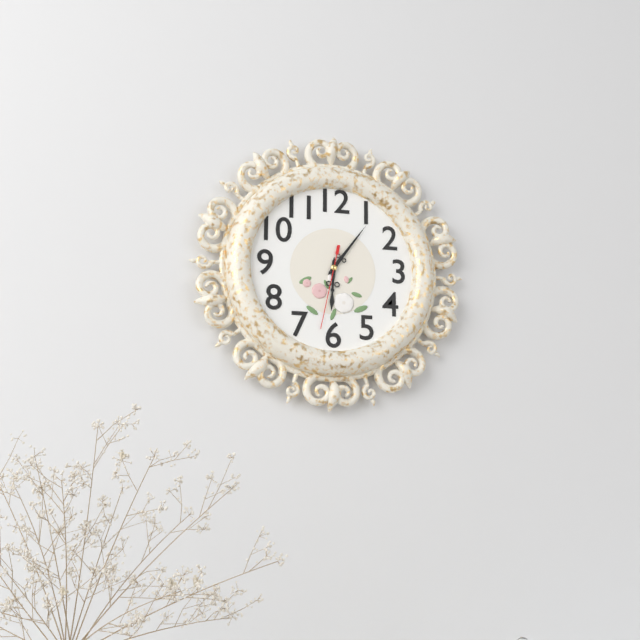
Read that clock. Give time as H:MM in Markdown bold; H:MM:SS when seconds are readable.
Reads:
**6:06:32**
